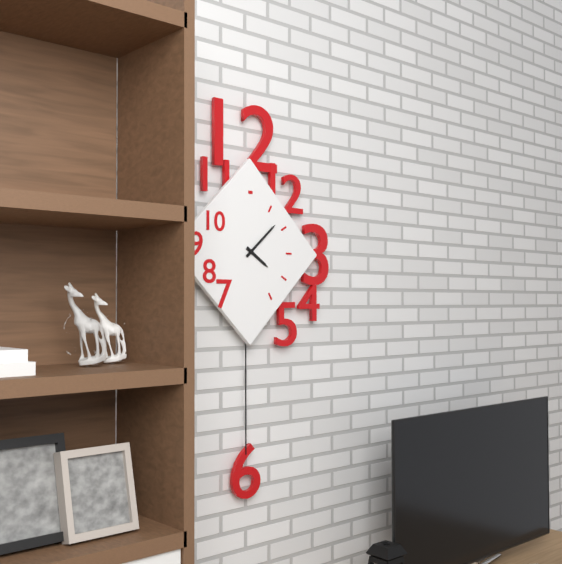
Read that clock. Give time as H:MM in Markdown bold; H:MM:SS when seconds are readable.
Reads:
**4:08**
